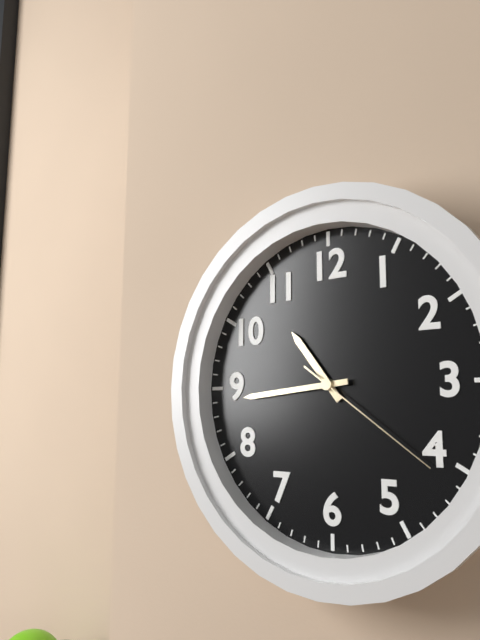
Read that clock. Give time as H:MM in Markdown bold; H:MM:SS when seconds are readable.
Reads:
**10:44:21**
